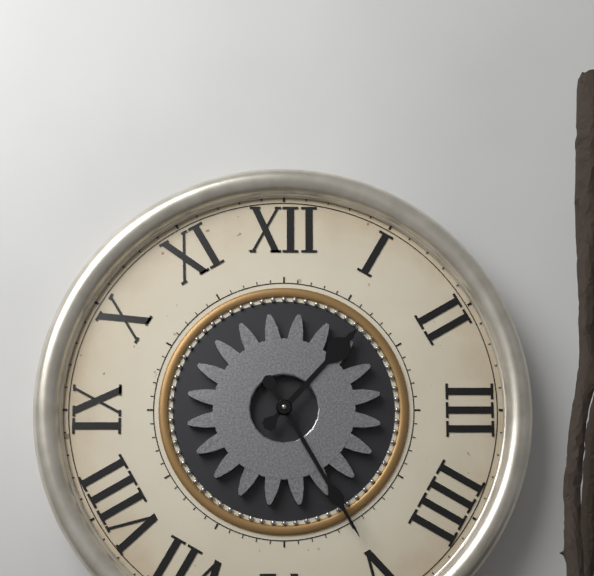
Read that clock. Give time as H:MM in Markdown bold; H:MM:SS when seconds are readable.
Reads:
**1:25**
